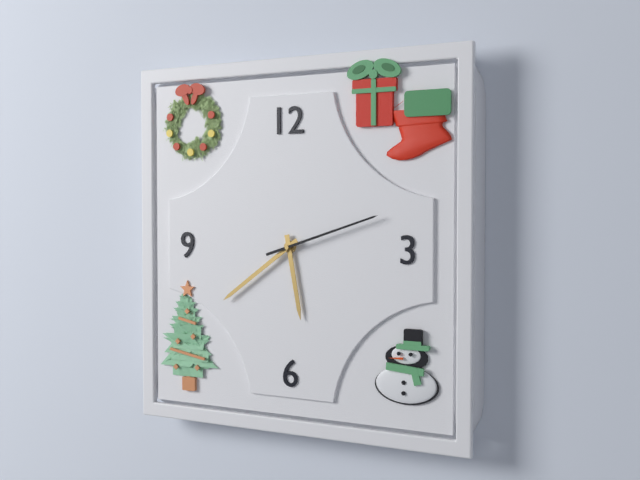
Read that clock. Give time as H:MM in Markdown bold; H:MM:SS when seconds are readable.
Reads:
**5:39:12**
